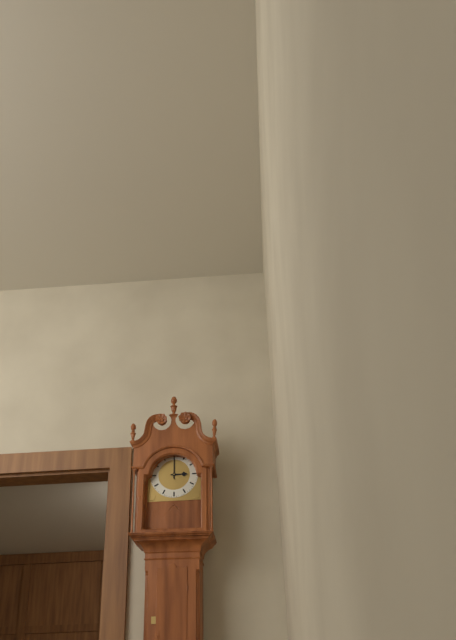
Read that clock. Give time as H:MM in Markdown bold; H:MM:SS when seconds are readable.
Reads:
**3:00**
